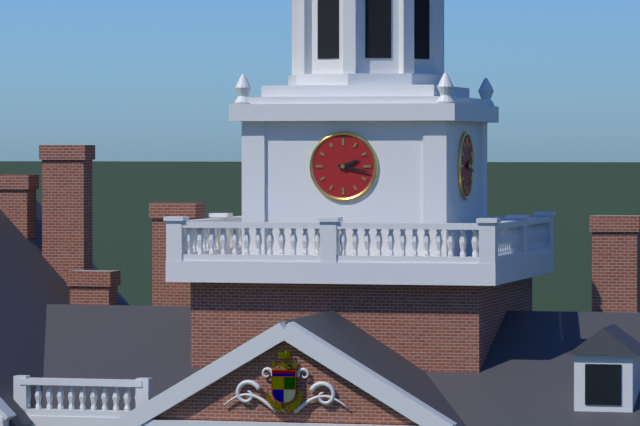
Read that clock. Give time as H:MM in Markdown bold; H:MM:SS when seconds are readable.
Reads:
**2:17**
